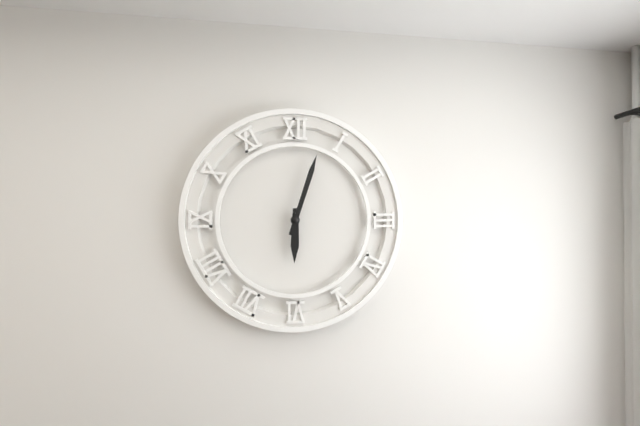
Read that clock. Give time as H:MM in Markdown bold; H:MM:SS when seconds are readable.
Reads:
**6:03**
